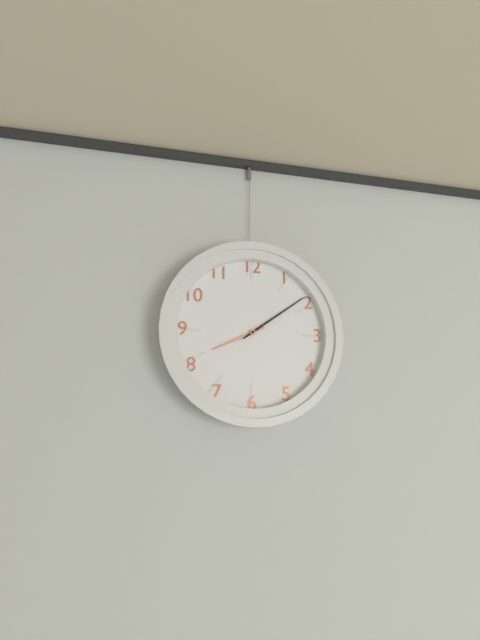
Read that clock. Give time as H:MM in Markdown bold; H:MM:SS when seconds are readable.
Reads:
**8:09**
